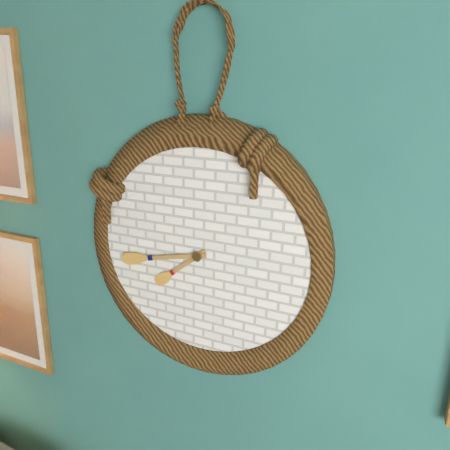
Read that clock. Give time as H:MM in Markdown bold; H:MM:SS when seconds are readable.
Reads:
**7:43**
